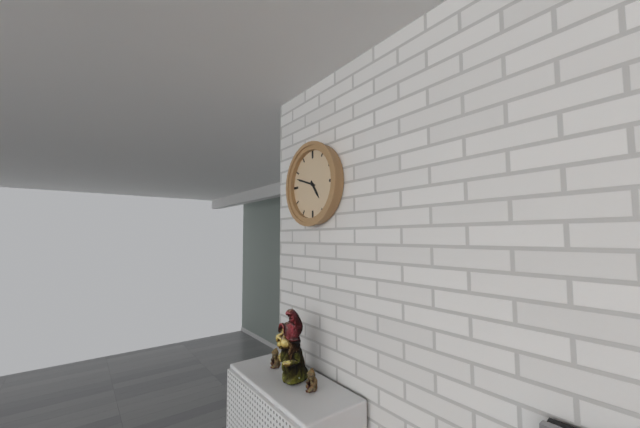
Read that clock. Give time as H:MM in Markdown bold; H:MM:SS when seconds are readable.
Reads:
**4:48**
